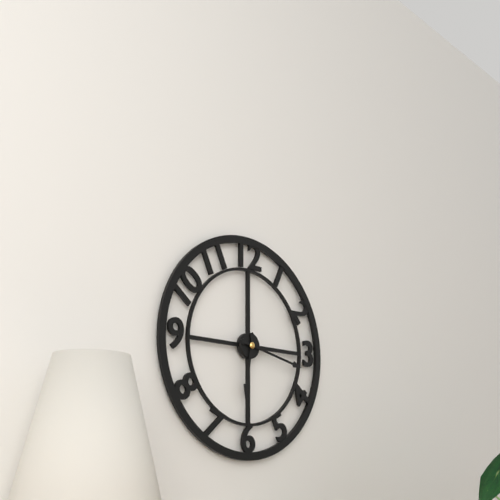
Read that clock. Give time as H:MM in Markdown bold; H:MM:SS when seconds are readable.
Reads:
**6:17**
